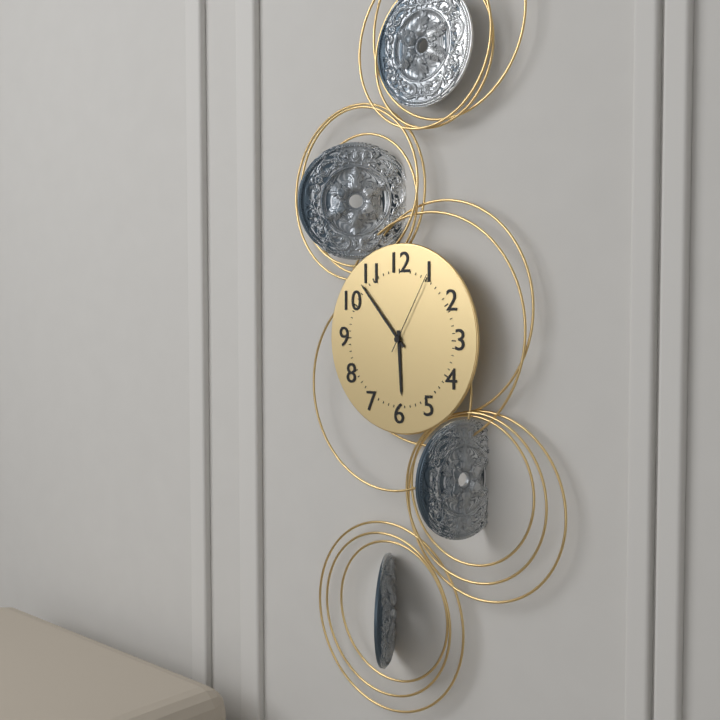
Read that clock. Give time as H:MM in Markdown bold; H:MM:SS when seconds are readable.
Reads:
**5:53:05**
